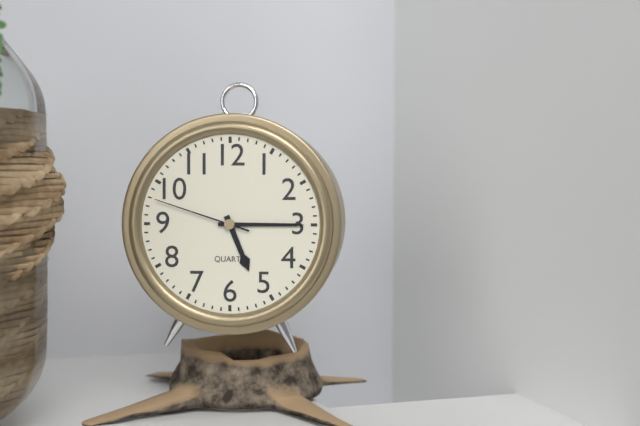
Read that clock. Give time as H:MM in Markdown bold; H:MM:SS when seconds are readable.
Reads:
**5:15:48**
